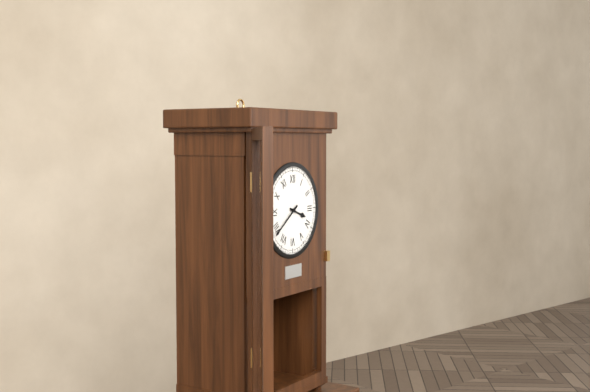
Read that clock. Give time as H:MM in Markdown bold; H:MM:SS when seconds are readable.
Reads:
**3:39**
